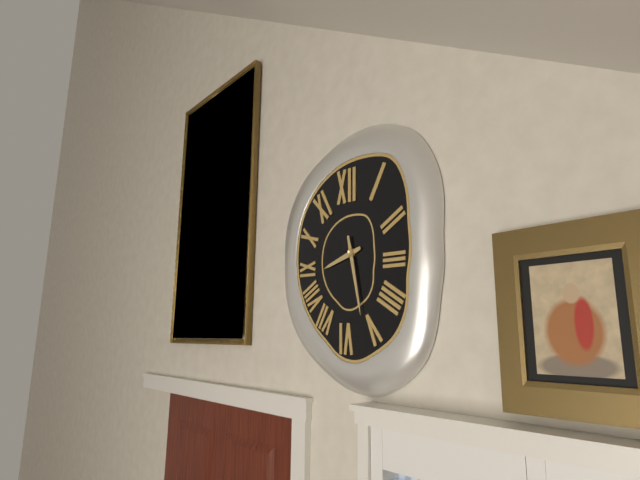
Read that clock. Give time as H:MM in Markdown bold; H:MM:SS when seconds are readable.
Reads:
**8:28**
